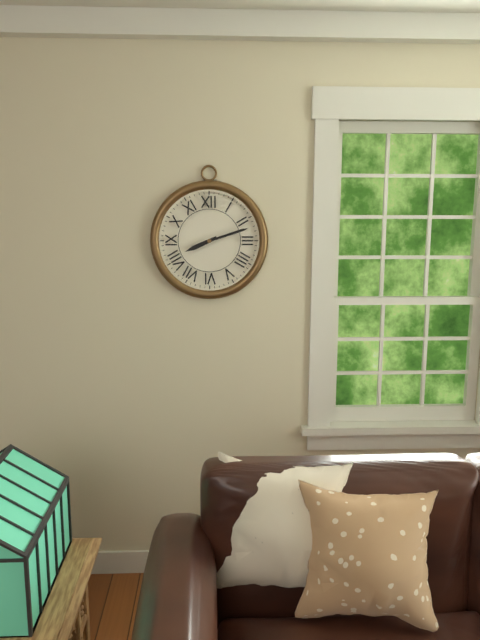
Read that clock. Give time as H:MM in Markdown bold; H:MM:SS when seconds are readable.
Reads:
**8:12**
